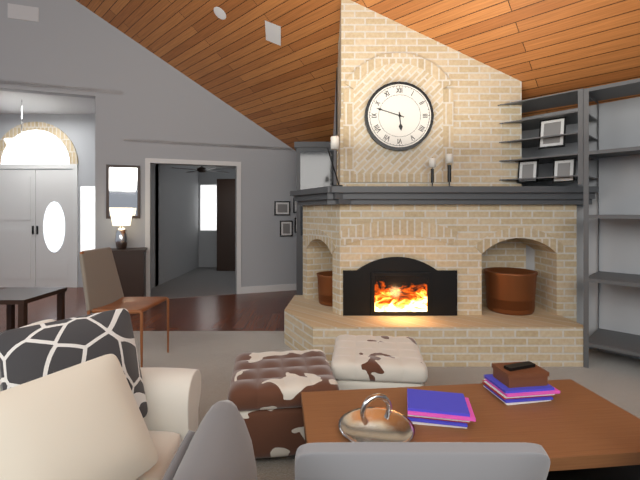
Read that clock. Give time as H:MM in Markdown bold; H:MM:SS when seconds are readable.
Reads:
**5:48**
